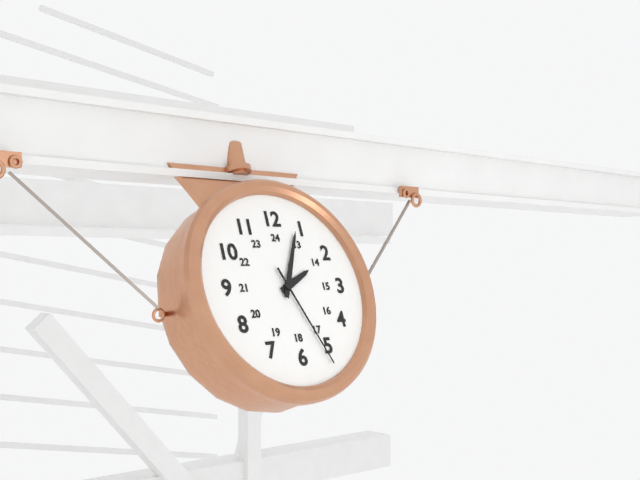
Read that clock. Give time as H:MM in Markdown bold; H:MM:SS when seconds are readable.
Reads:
**2:04:26**
